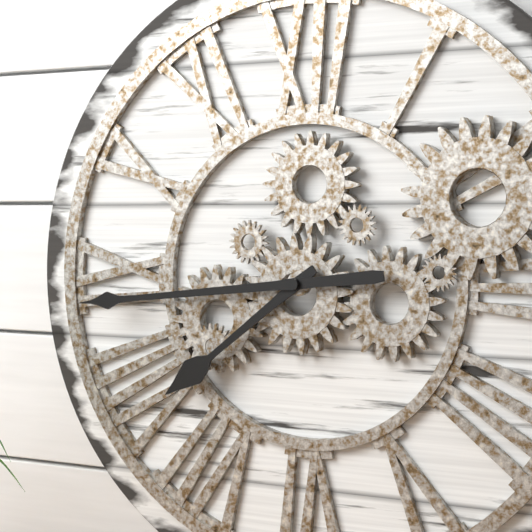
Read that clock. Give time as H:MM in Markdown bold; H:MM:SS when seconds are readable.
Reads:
**7:44**
